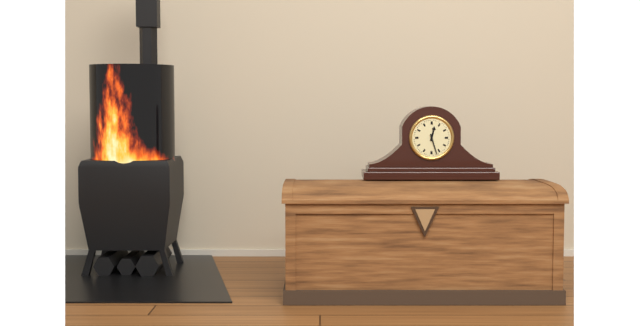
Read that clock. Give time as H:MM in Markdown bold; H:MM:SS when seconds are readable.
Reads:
**12:27**
